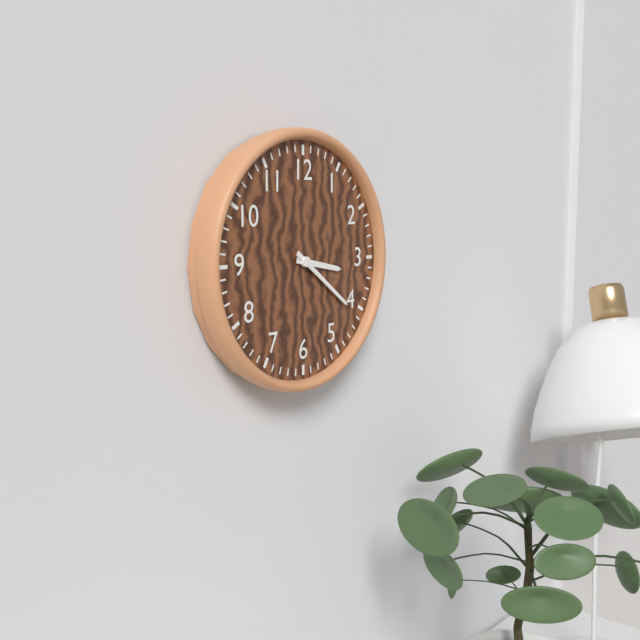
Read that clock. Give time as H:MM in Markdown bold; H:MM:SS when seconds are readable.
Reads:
**3:21**
